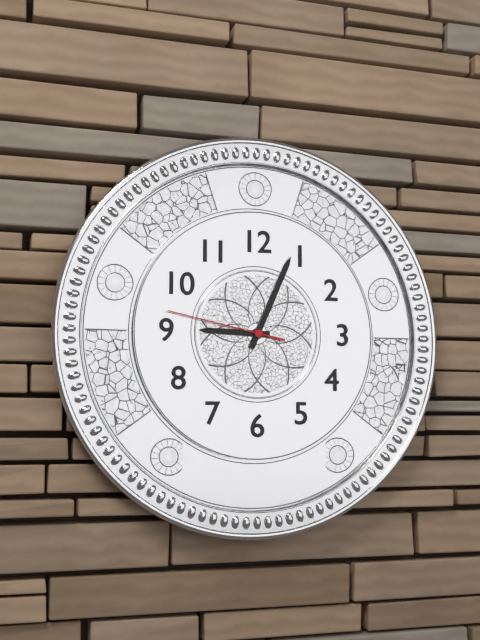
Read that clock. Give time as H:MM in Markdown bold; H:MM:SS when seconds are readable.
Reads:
**9:04:47**
